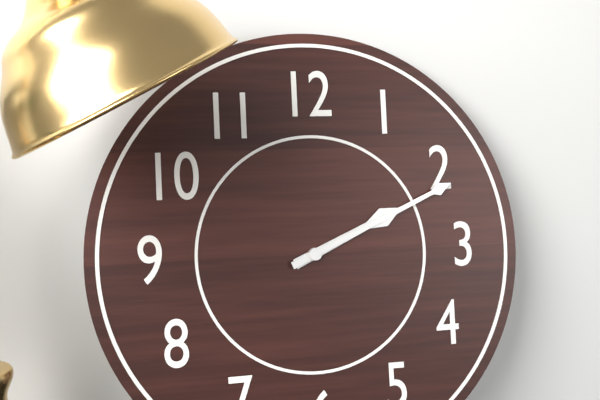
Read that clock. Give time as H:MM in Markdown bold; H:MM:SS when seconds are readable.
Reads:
**2:11**
